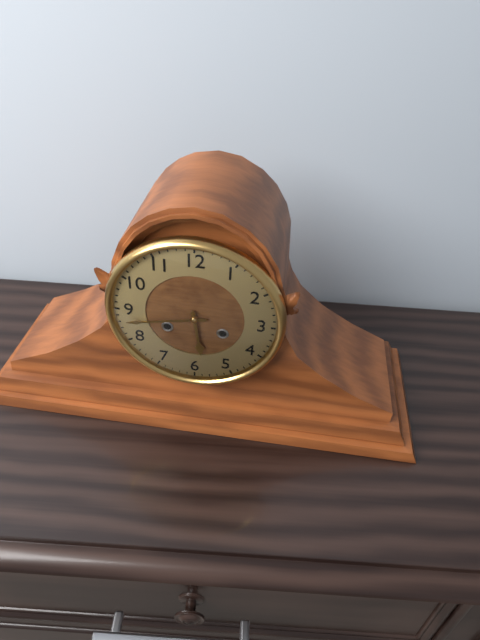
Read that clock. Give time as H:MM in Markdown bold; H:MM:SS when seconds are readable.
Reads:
**5:43**
